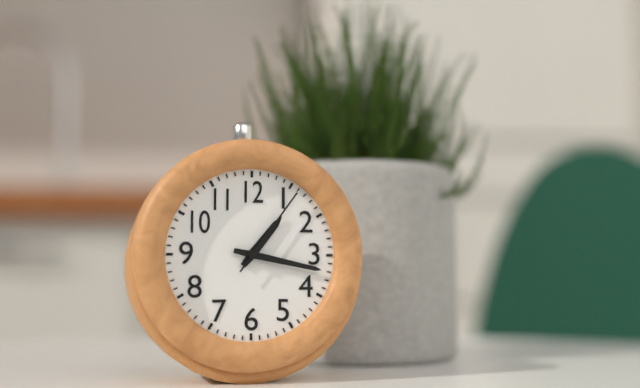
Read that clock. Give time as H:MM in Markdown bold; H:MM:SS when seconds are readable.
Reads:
**1:17:06**
